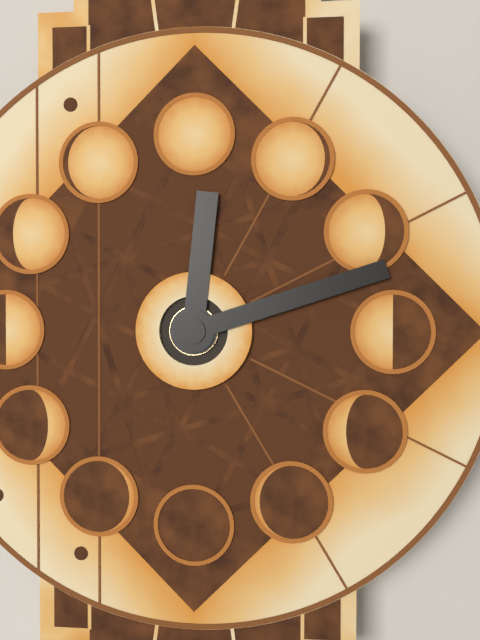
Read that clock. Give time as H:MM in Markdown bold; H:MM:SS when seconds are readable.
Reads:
**12:12**
